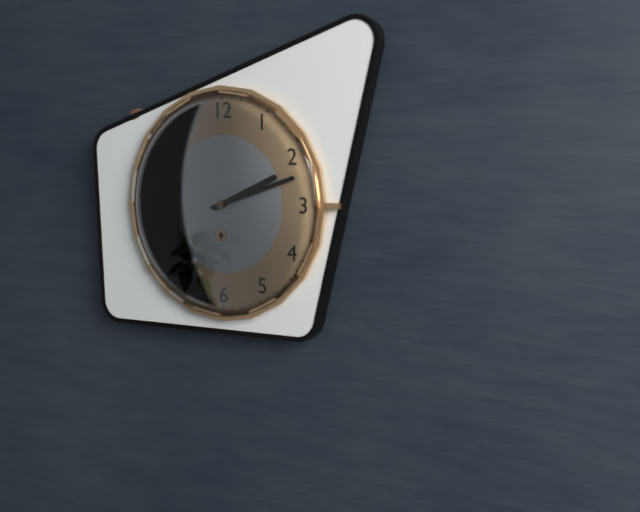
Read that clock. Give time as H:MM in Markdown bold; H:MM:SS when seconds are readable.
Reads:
**2:12**
